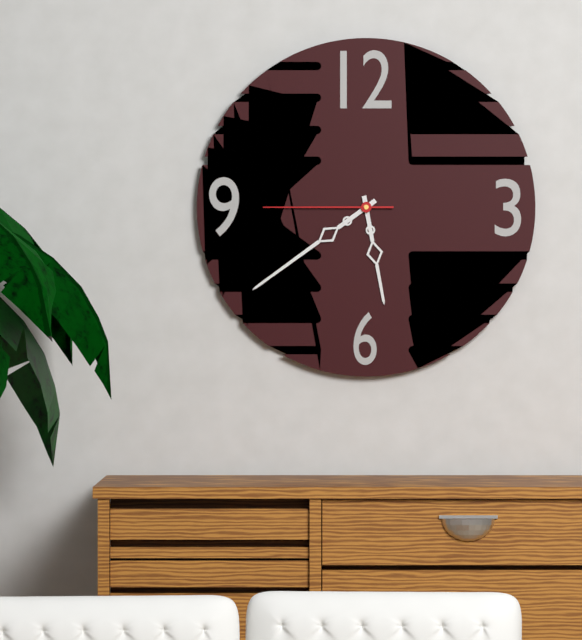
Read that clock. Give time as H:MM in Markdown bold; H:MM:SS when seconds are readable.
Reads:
**5:39:45**
